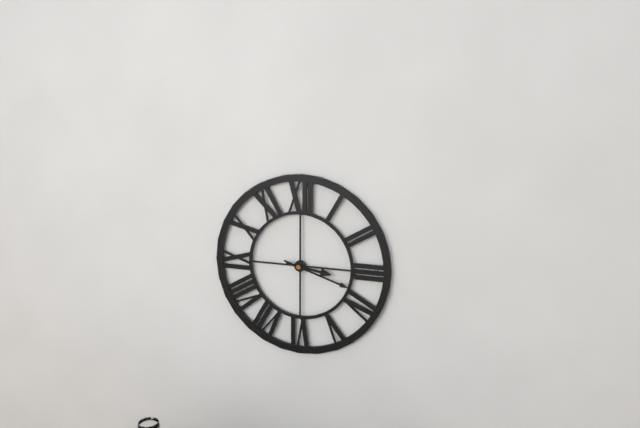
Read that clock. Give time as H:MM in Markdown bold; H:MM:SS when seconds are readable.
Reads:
**3:18**
